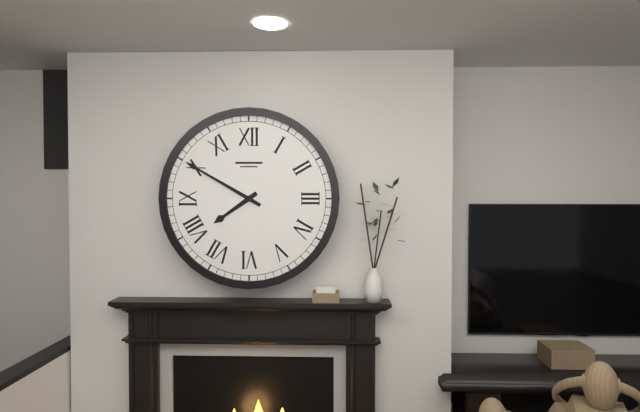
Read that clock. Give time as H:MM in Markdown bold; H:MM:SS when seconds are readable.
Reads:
**7:50**
